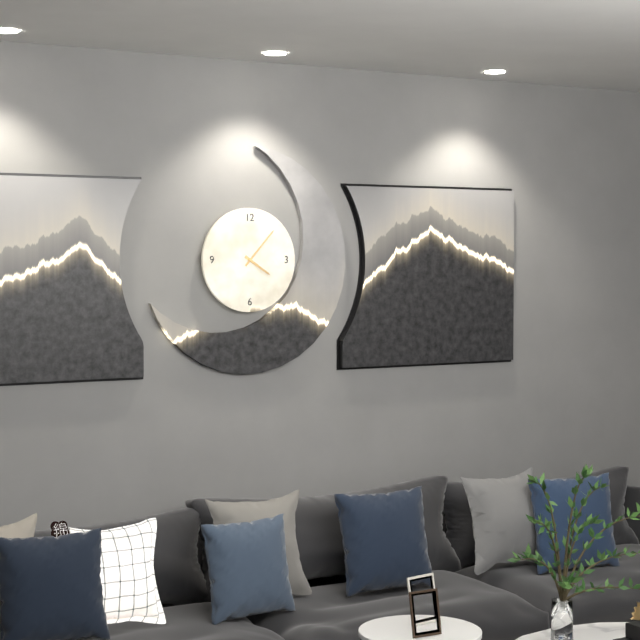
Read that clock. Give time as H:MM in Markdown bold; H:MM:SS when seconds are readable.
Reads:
**4:07**
